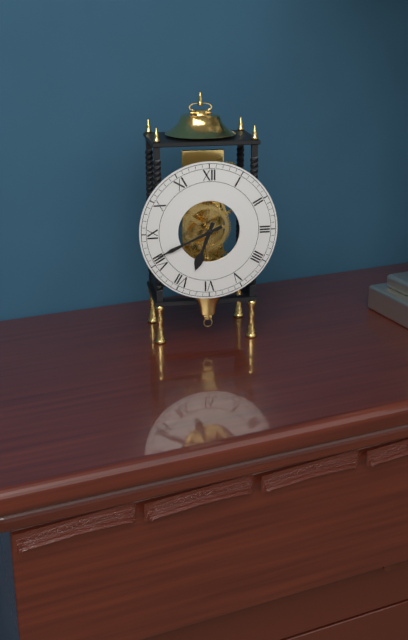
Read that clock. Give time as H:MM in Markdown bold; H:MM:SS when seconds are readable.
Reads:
**6:41**
